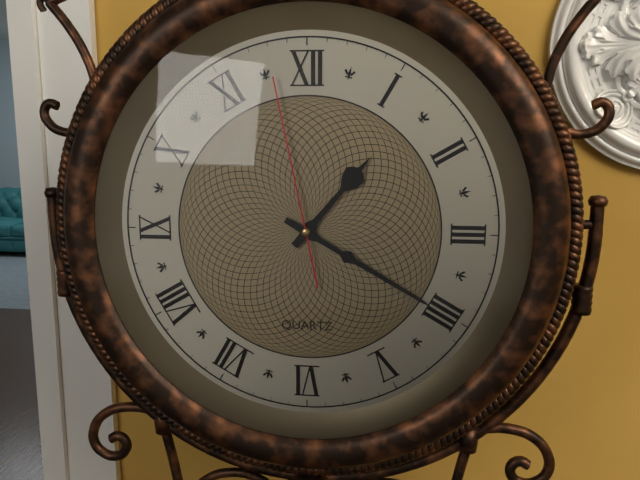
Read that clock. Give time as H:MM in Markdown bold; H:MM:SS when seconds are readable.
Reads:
**1:20:58**
